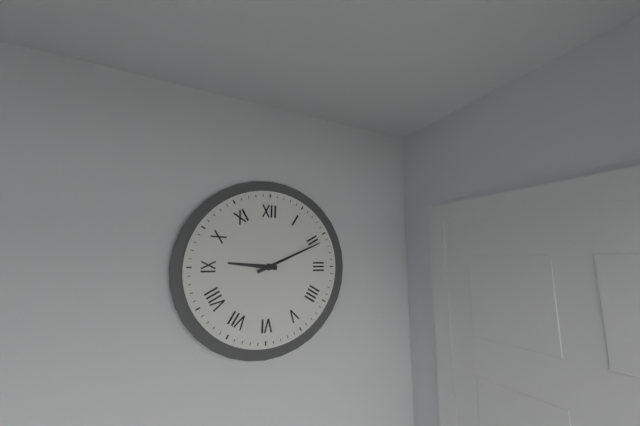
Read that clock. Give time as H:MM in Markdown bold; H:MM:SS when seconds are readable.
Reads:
**9:11**
